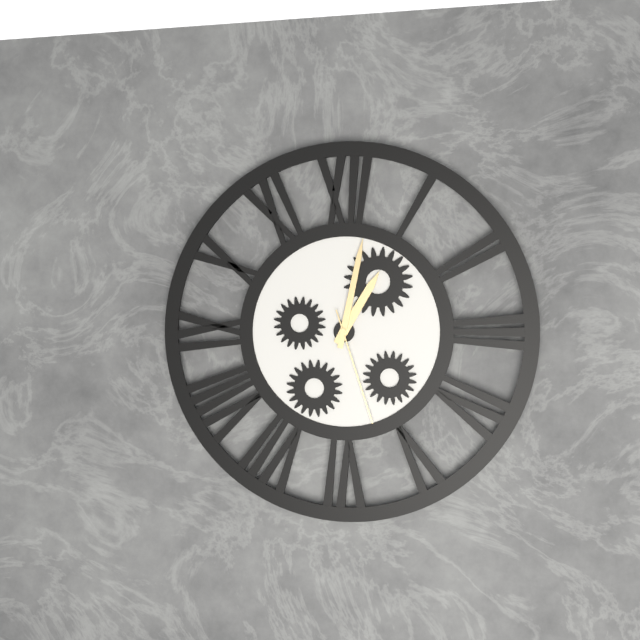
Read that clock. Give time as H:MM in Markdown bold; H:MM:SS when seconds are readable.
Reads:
**1:02:27**
